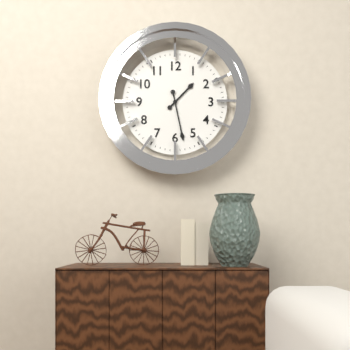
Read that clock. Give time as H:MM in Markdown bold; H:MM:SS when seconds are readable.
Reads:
**1:28**
